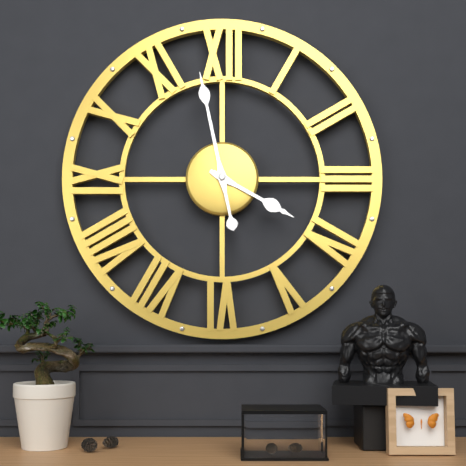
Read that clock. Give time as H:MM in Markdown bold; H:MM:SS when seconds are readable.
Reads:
**3:58**
